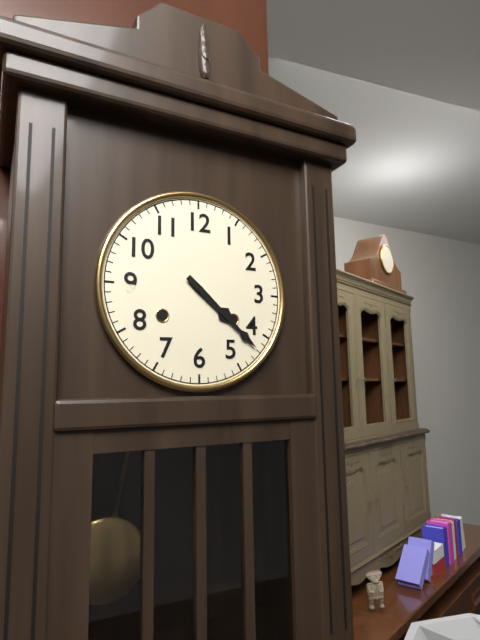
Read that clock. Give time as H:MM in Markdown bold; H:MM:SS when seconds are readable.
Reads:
**4:22**
